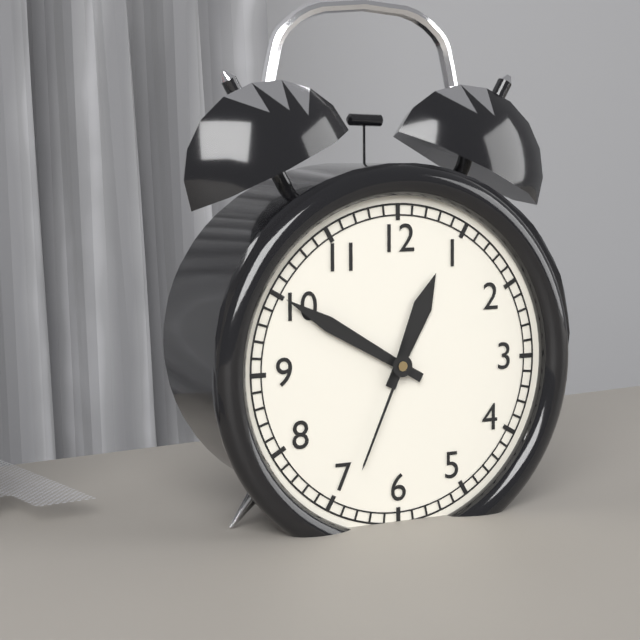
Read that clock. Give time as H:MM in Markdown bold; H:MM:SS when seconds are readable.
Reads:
**12:50:34**
